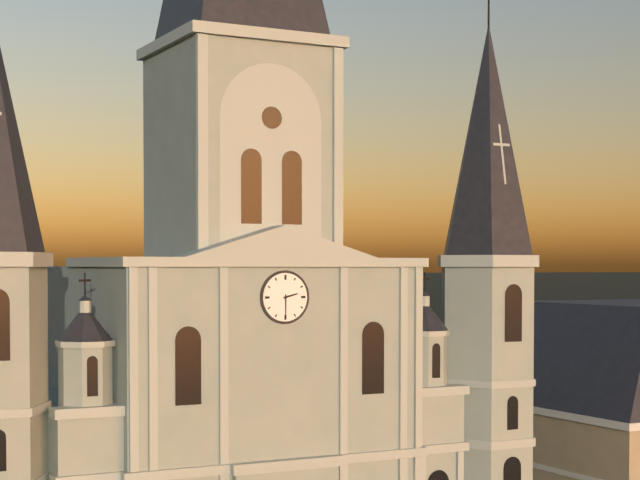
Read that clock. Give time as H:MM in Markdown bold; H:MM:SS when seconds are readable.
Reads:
**2:30**
